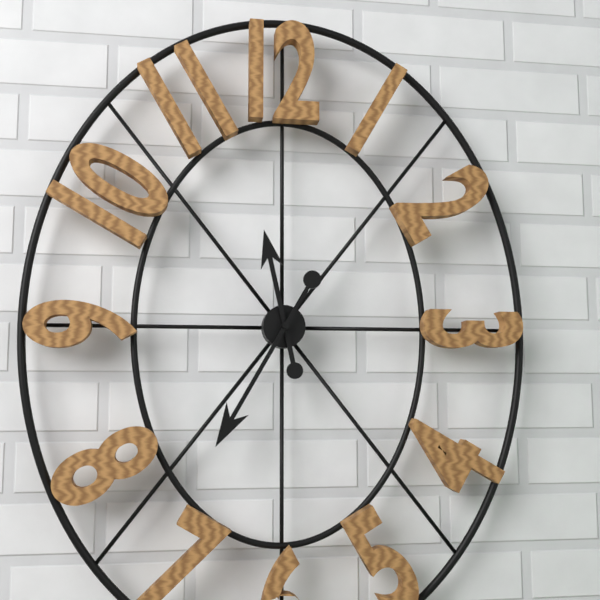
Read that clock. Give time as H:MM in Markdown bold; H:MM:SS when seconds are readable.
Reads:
**11:35**
